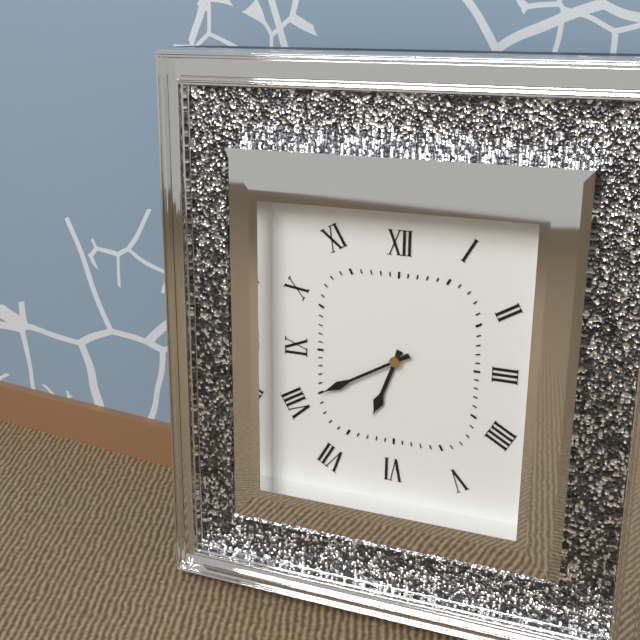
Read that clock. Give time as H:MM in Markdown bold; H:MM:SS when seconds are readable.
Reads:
**6:40**
